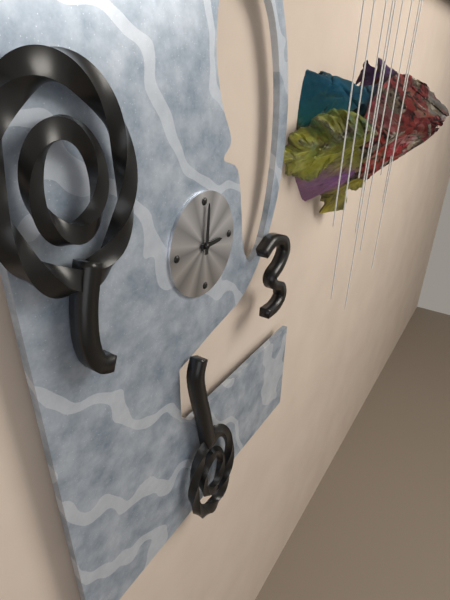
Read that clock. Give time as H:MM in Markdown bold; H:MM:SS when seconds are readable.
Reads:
**3:01**
